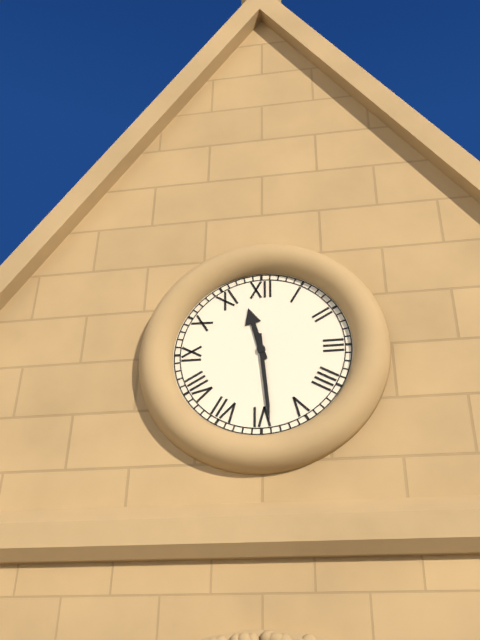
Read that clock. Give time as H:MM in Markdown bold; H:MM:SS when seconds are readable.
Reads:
**11:29**
